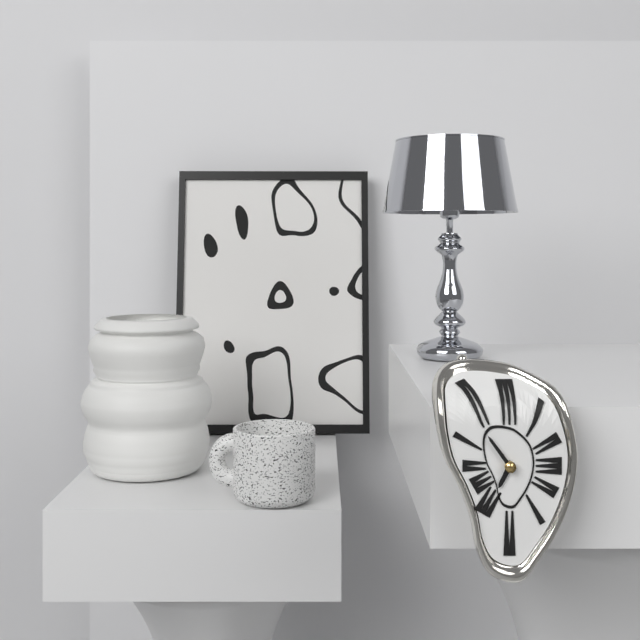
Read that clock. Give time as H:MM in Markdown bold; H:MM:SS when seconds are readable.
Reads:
**6:54**
